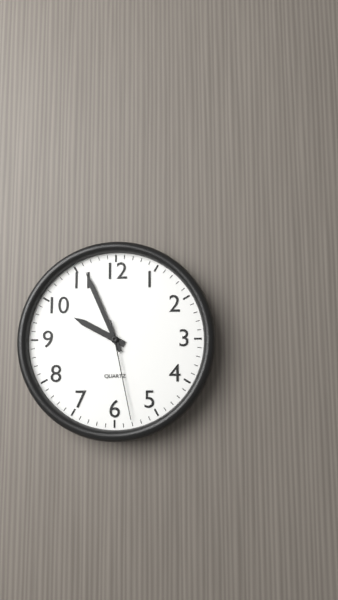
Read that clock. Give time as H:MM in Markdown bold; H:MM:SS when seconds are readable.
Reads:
**9:56:28**
